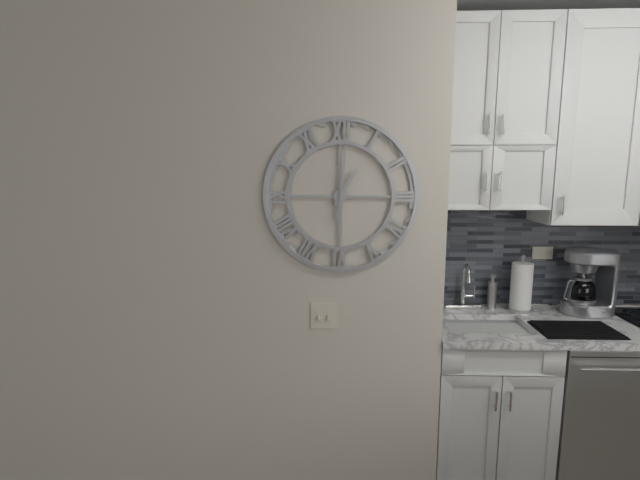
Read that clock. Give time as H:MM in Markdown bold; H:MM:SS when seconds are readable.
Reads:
**1:01**
